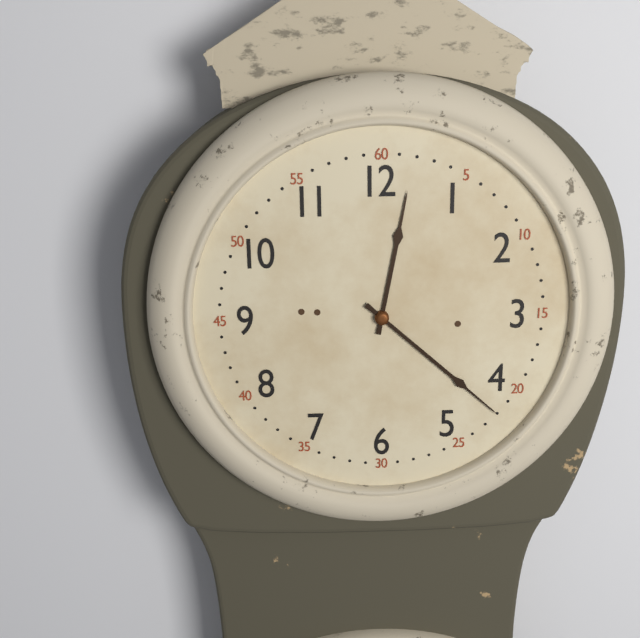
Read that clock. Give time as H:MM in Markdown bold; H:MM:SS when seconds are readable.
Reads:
**12:22**
